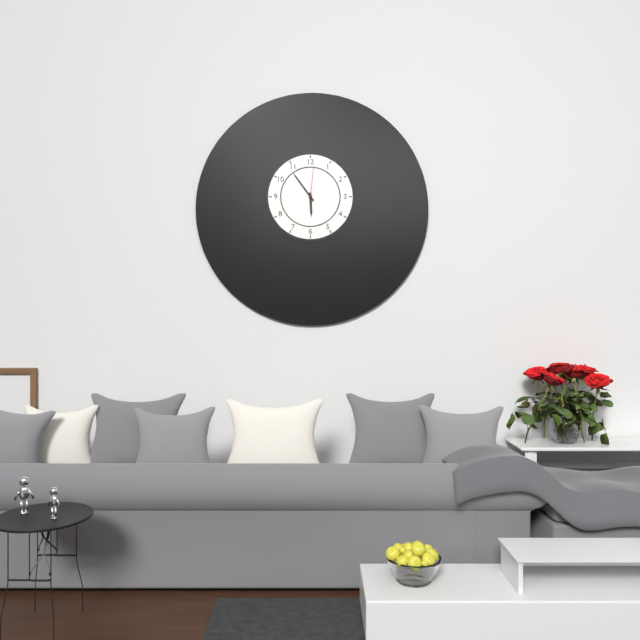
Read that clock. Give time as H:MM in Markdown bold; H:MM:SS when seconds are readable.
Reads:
**5:54**
